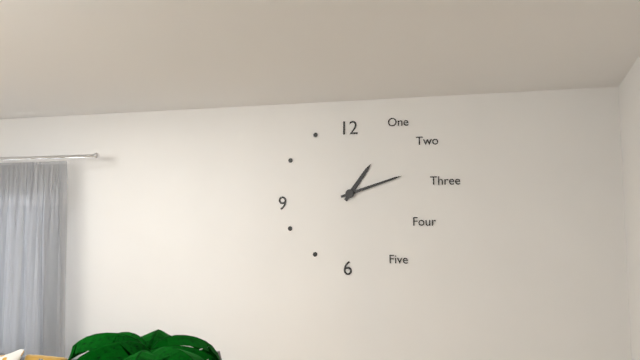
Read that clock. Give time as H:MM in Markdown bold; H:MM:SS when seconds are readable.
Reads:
**1:12**
